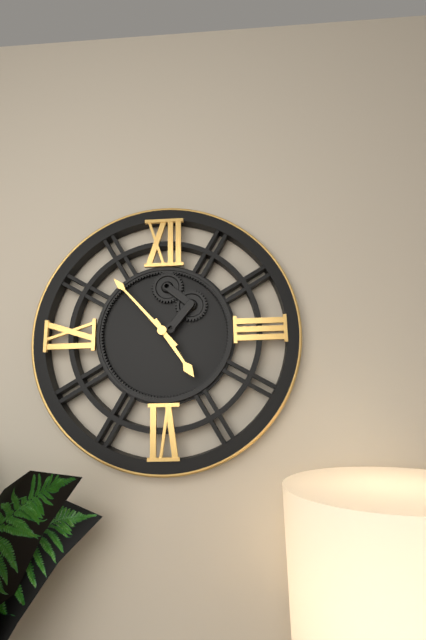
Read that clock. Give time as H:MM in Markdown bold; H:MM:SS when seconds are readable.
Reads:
**4:53**
